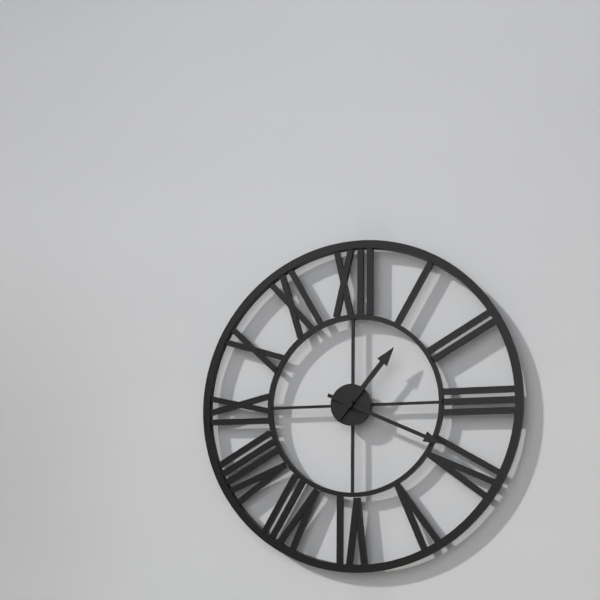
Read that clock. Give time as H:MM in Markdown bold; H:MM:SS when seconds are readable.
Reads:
**1:19**
